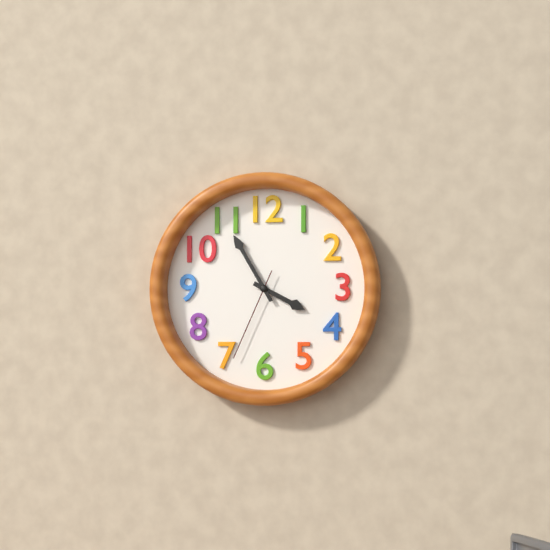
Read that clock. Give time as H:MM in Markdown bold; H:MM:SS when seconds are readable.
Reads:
**3:55:34**
